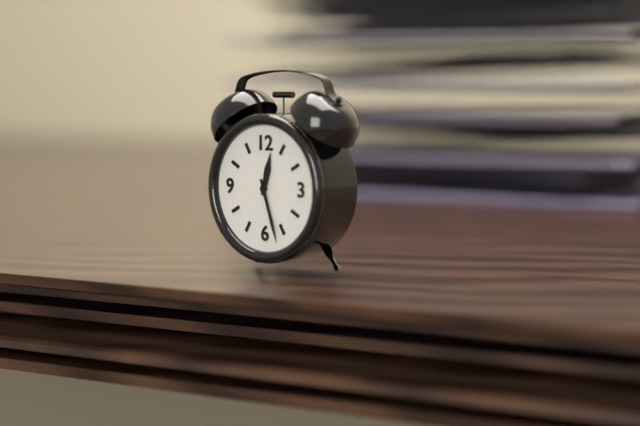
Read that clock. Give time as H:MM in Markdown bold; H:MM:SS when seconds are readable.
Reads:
**12:27**
